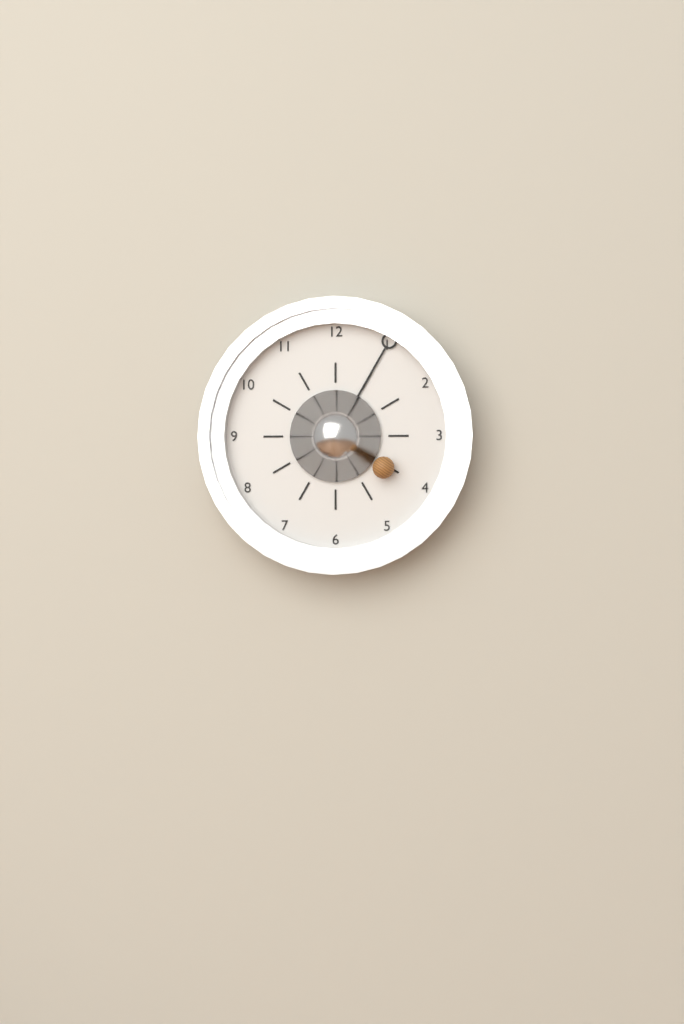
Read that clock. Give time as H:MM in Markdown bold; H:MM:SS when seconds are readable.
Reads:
**4:05**
